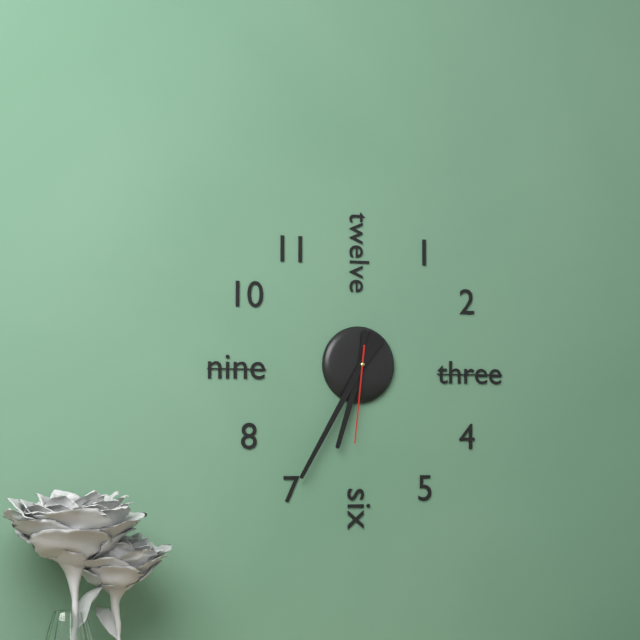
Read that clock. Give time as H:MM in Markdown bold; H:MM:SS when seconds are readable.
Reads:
**6:35:31**
